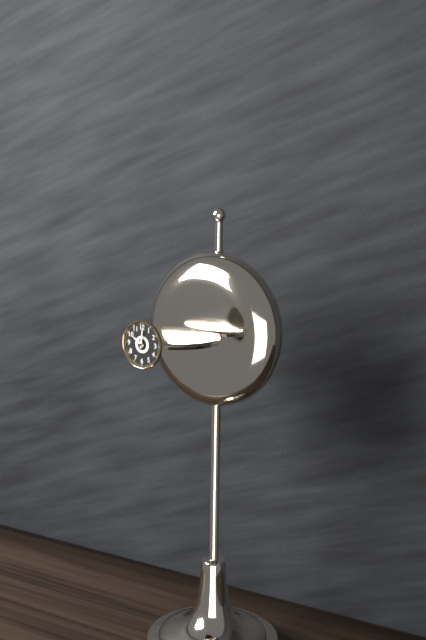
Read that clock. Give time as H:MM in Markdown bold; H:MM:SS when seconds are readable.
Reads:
**10:01**
